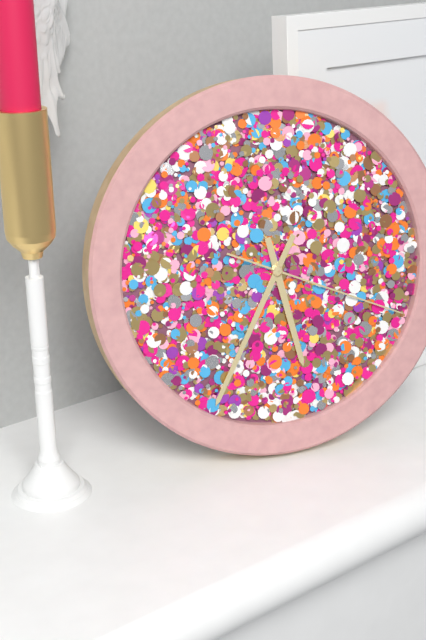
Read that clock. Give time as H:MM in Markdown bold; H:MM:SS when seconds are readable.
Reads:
**5:35:19**
